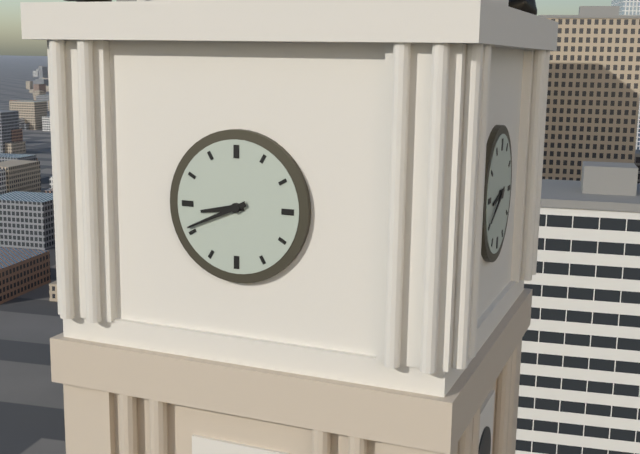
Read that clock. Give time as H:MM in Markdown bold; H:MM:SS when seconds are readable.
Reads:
**8:41**
